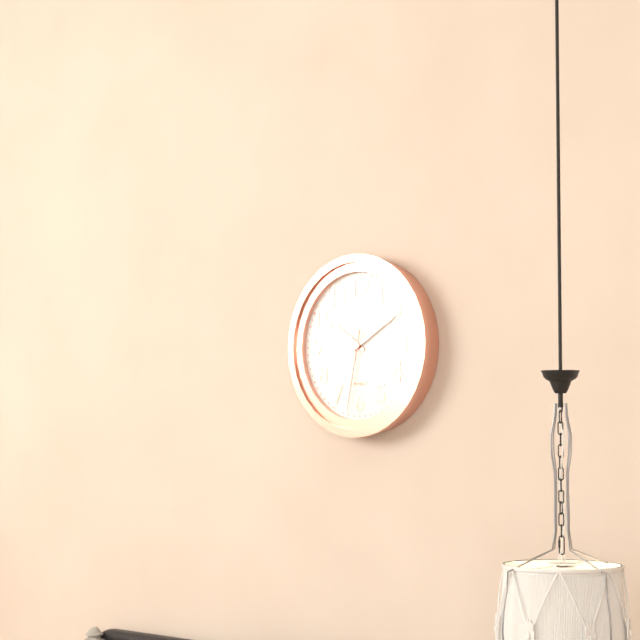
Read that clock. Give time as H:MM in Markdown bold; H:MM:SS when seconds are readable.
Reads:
**10:10:32**
